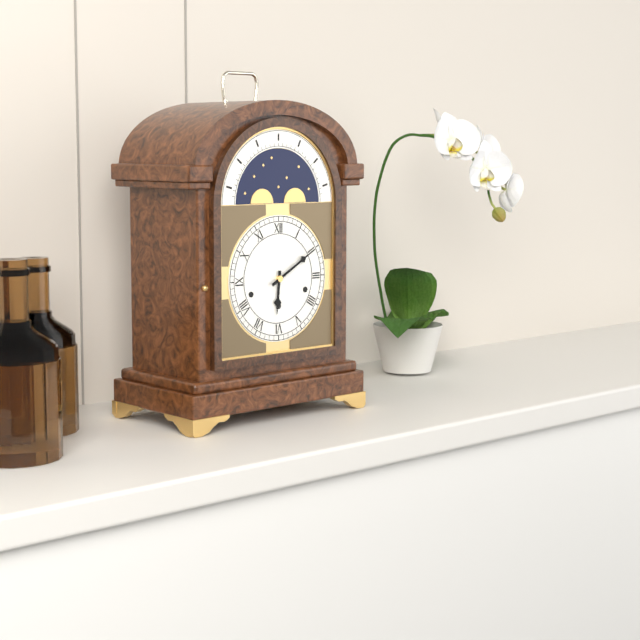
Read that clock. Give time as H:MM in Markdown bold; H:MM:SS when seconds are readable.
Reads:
**6:10**
